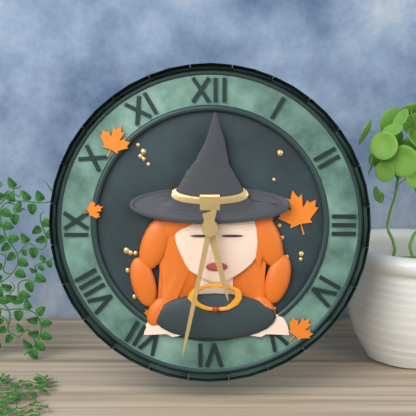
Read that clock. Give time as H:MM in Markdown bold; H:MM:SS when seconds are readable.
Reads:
**5:32**
